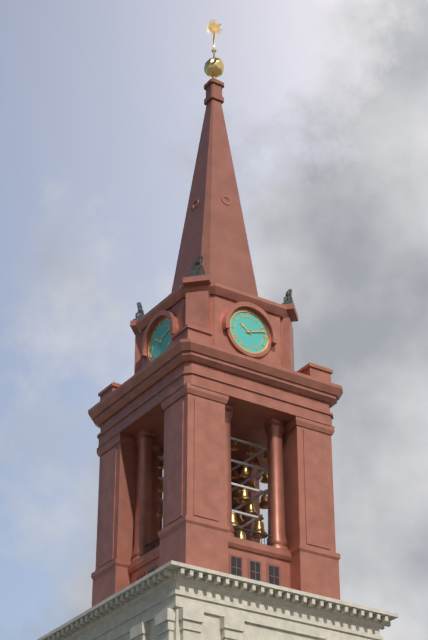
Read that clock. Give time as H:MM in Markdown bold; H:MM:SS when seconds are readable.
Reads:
**10:12**
